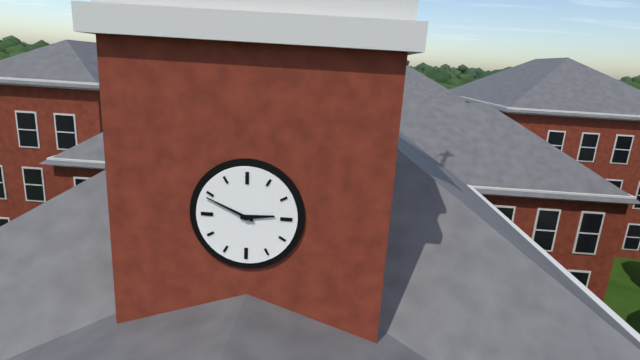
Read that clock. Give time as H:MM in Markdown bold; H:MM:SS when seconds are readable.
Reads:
**2:49**
